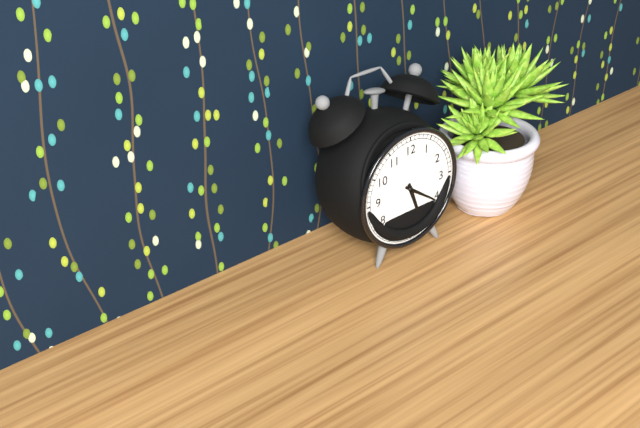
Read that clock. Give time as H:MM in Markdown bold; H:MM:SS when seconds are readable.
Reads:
**5:21**
